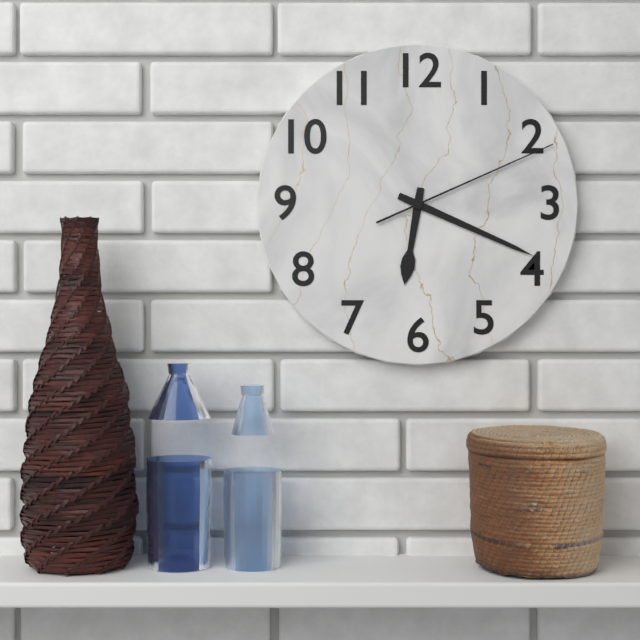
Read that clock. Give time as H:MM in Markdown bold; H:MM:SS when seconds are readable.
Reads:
**6:19:11**
